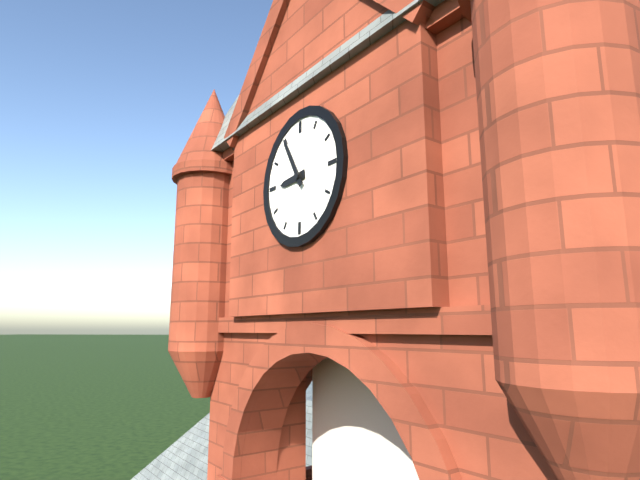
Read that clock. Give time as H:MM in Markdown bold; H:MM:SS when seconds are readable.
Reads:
**8:55**
